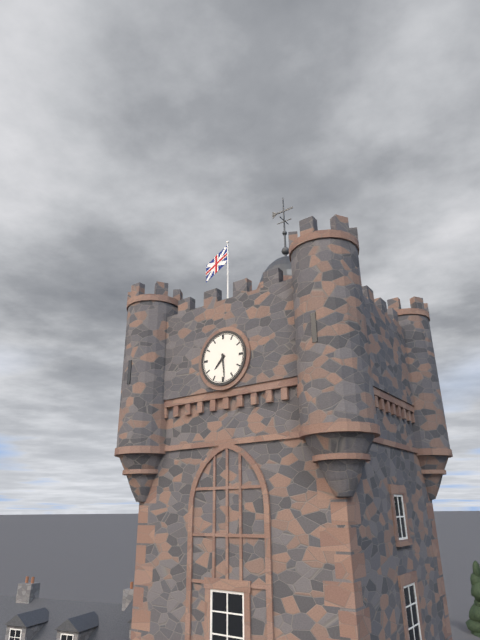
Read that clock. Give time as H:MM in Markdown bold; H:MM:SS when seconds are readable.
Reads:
**7:29**
